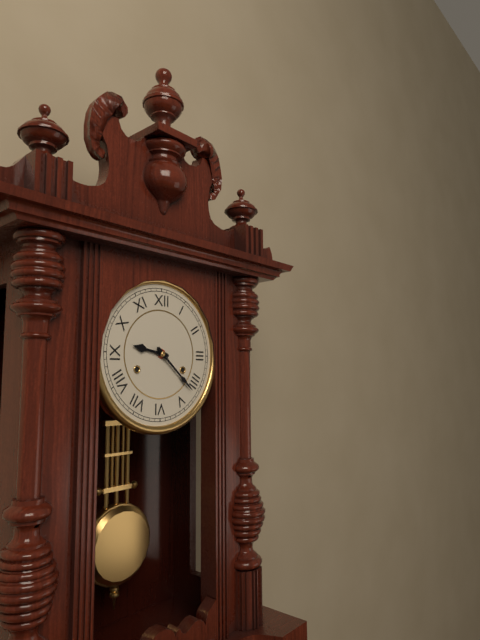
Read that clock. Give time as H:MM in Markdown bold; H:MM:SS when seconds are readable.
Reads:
**9:22**
